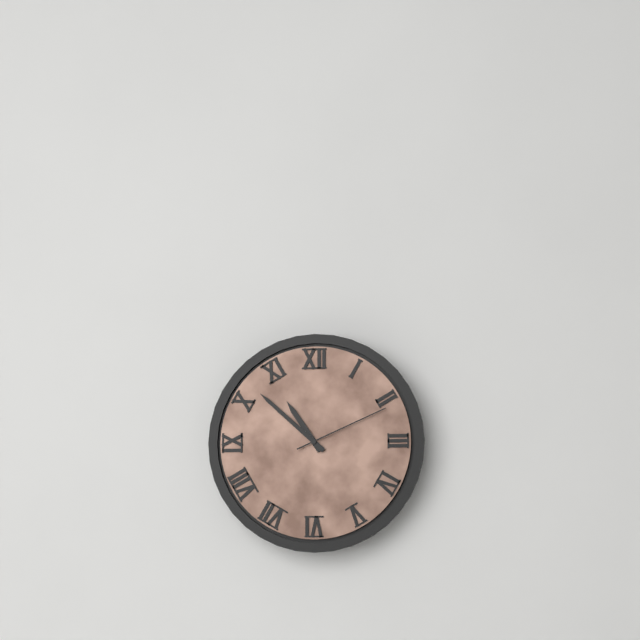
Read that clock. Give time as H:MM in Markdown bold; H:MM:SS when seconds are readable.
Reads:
**10:52:11**
